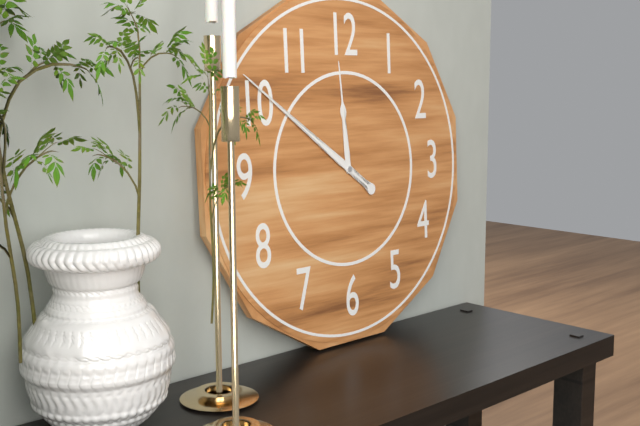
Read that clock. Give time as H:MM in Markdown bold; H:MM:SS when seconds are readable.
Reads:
**11:51**
